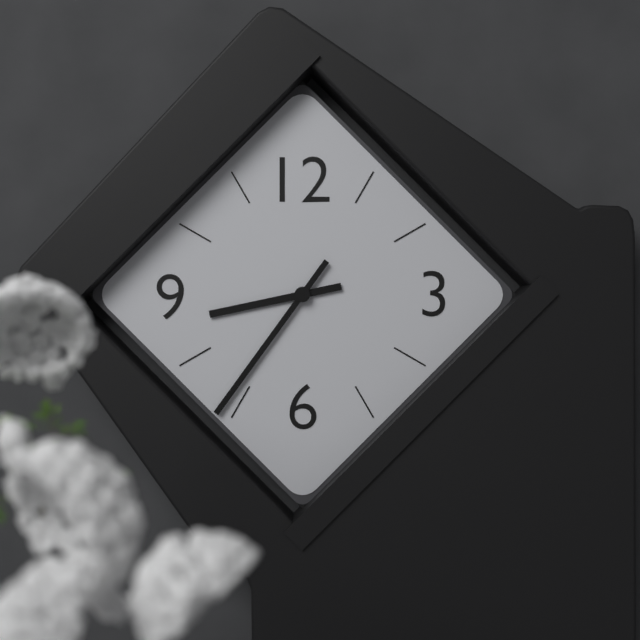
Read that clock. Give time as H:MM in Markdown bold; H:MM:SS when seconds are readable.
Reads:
**8:36**
